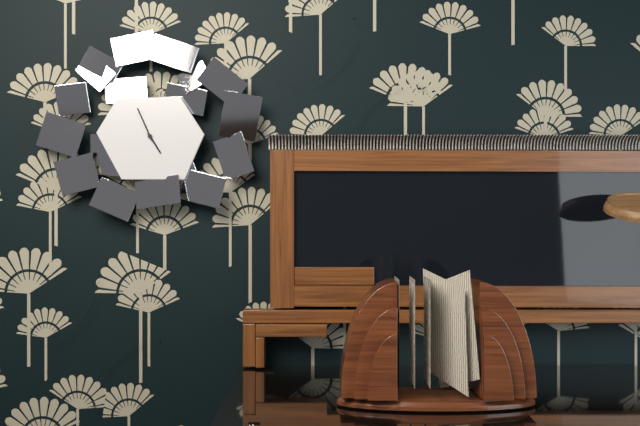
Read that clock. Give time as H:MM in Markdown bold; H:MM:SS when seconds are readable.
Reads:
**4:56**
